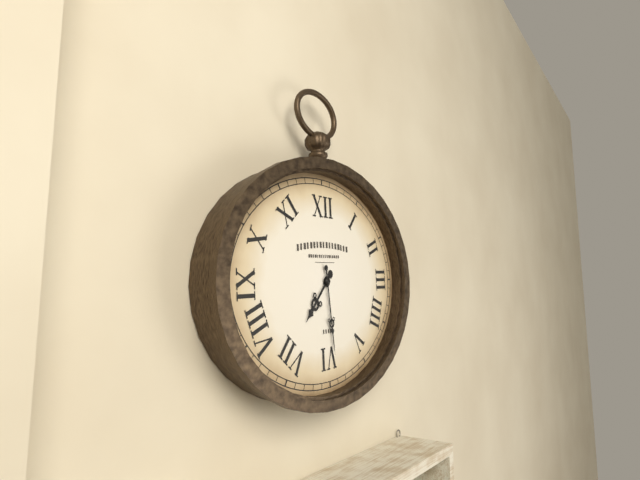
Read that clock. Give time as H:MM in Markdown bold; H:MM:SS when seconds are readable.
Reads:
**7:29**
